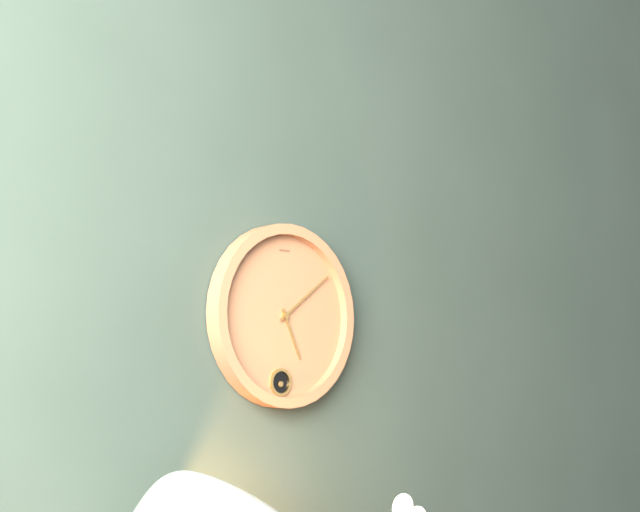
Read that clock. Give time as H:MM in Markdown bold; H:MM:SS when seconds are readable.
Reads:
**5:09**
